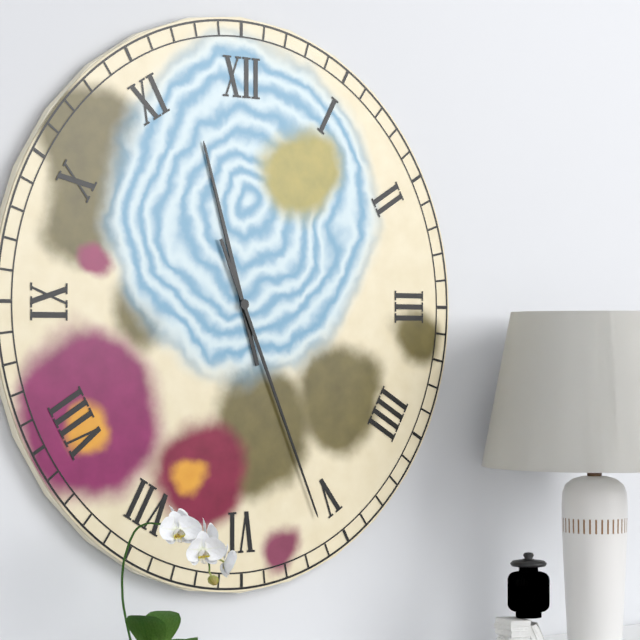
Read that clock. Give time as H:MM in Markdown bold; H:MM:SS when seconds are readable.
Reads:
**11:26**
